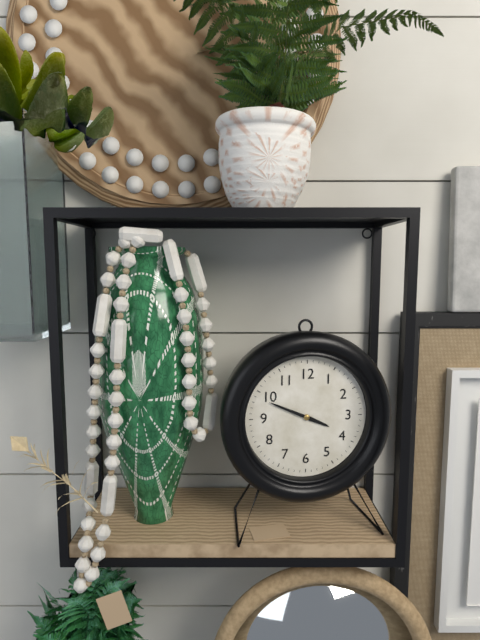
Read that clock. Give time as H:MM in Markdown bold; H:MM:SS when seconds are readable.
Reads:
**3:49**
